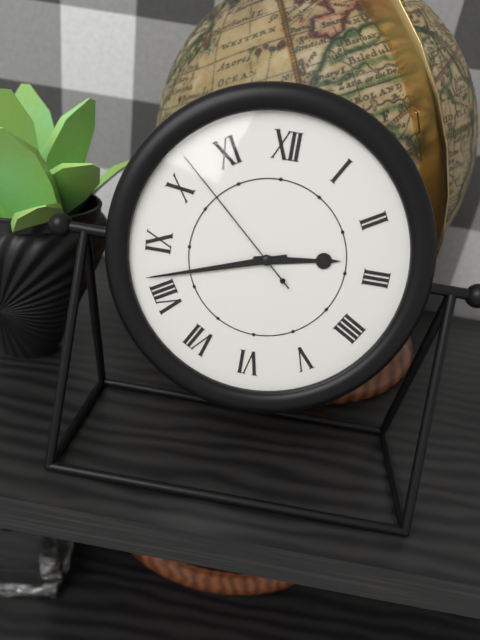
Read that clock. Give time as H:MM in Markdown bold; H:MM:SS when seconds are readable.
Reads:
**2:42:52**
